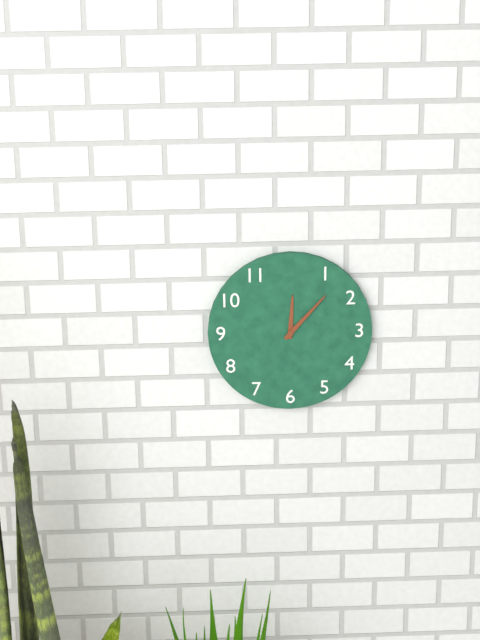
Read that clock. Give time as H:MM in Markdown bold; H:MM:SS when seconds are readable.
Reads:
**12:07**
